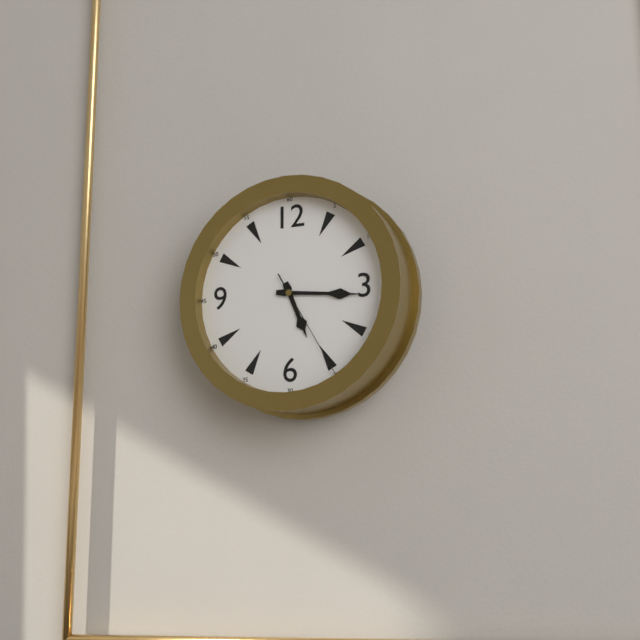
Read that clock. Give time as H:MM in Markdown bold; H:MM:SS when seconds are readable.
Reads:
**5:16:25**
